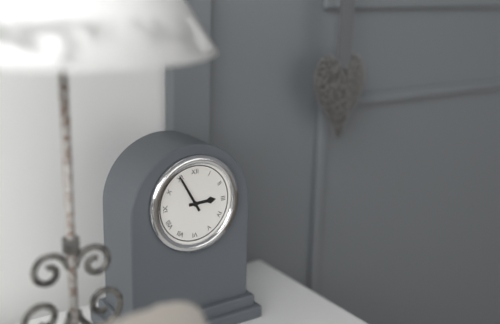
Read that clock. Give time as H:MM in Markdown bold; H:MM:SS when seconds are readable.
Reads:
**2:55**
